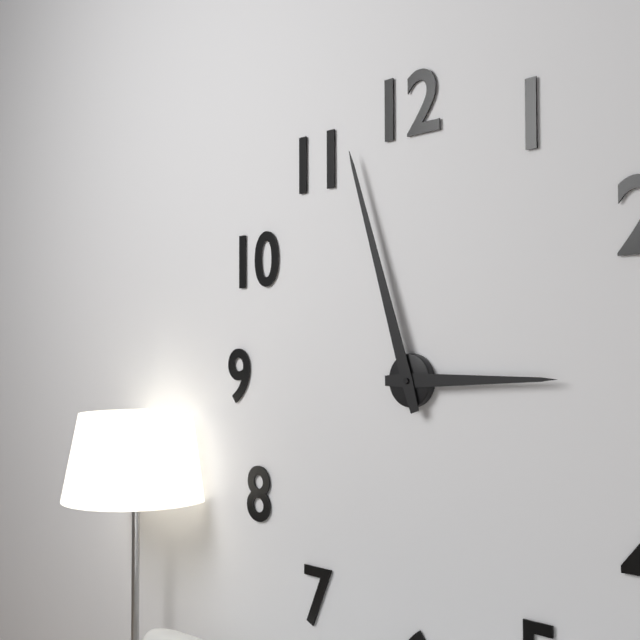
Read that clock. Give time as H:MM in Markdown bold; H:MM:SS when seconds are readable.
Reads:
**2:57**
